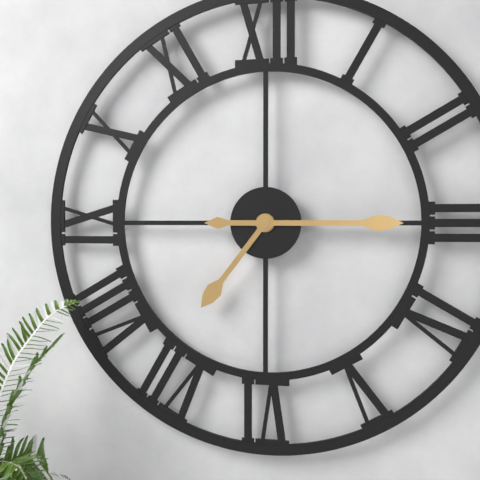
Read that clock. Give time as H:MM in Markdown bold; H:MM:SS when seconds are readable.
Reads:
**7:15**
